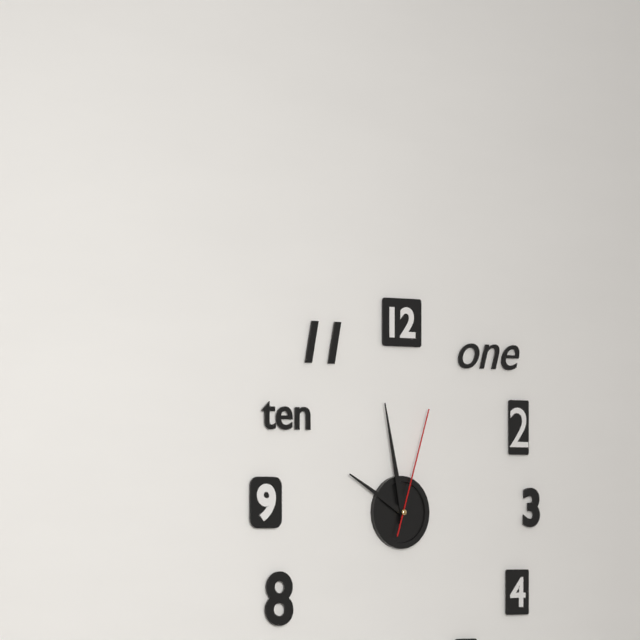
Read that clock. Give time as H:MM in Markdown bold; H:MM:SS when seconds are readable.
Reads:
**9:58:03**
